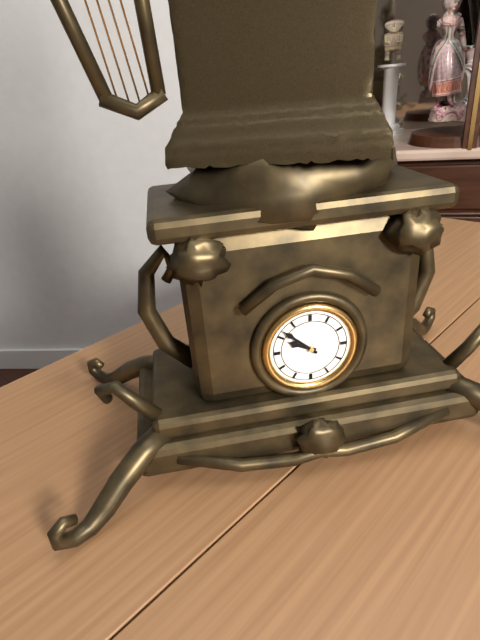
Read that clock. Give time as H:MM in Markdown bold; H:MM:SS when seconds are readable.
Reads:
**9:52**
